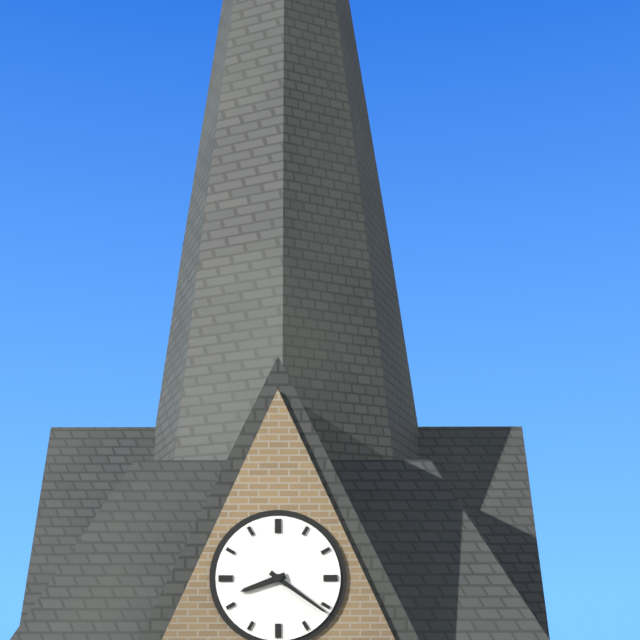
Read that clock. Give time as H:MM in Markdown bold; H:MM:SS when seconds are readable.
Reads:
**8:21**
